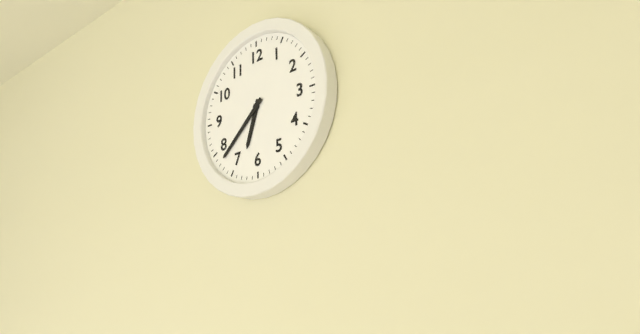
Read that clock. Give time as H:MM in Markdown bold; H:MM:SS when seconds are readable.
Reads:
**6:38**
